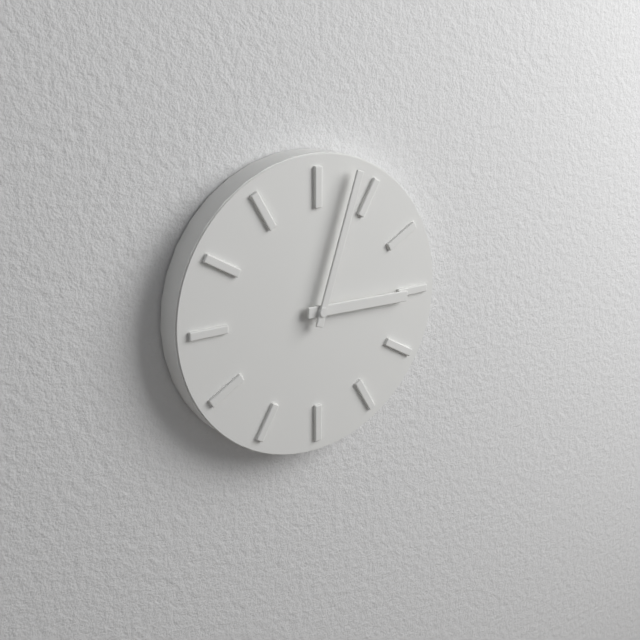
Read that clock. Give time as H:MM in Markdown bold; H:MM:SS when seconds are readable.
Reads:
**3:03**
